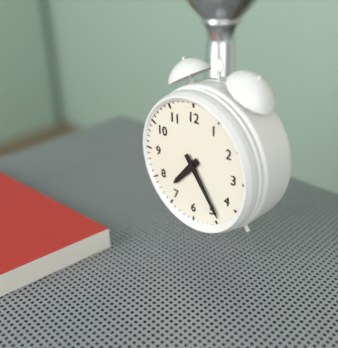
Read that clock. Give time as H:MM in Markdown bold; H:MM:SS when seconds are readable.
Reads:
**7:24**
